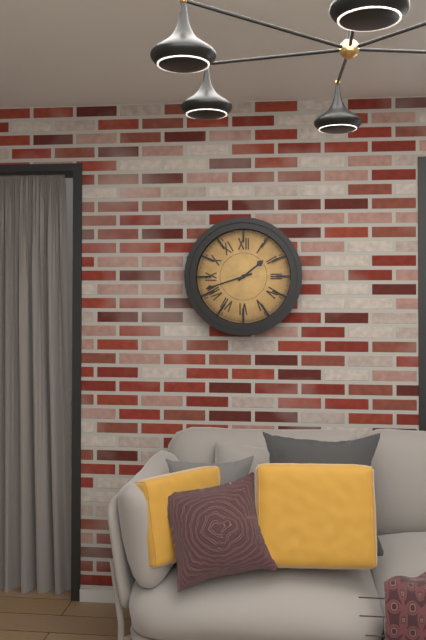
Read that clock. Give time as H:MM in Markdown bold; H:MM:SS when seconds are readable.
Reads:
**1:42**
